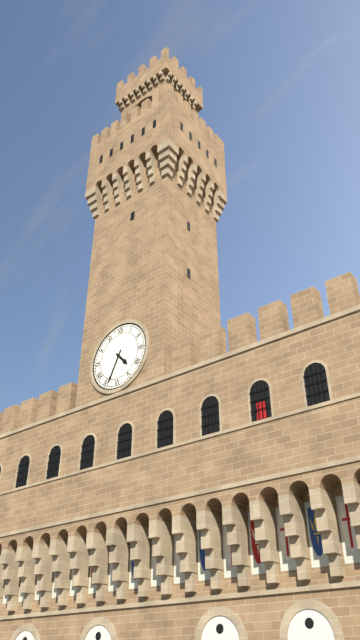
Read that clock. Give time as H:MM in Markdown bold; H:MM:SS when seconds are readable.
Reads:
**4:34**
